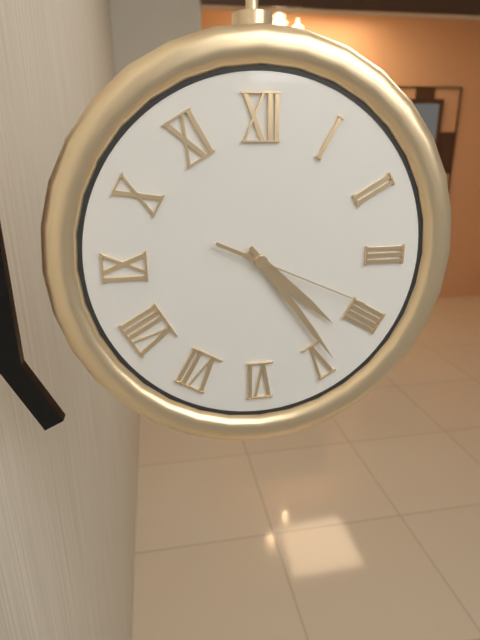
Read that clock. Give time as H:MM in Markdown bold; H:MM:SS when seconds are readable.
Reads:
**4:24:19**
